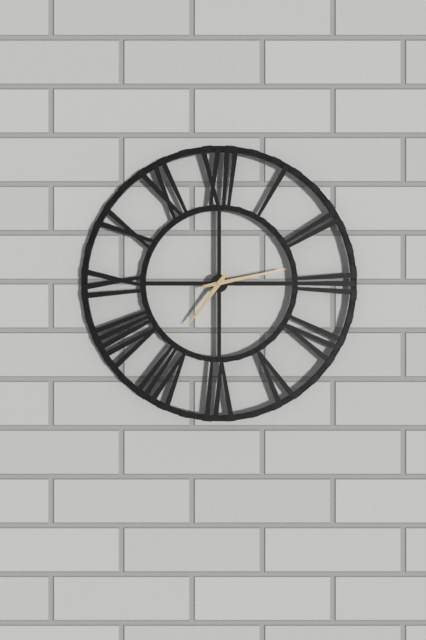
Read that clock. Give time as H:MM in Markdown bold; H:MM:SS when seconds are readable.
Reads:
**7:13**
